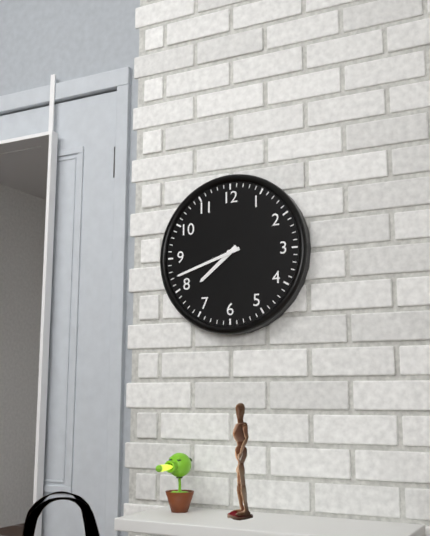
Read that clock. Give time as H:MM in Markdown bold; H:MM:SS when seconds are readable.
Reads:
**7:42**
